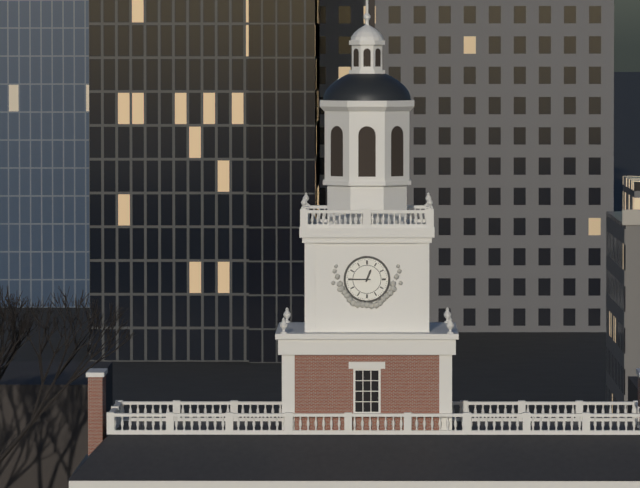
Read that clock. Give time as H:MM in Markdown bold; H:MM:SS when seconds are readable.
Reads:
**12:45**
